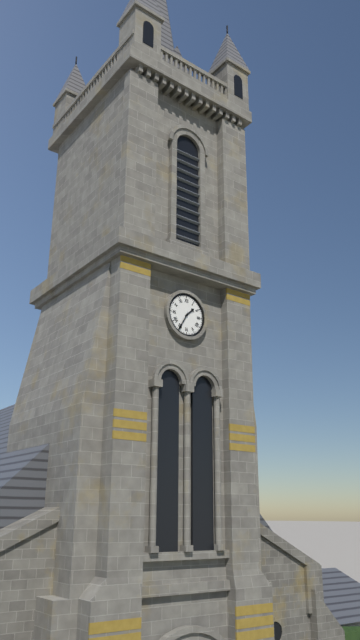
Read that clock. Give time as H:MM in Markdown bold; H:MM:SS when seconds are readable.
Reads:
**1:35**
